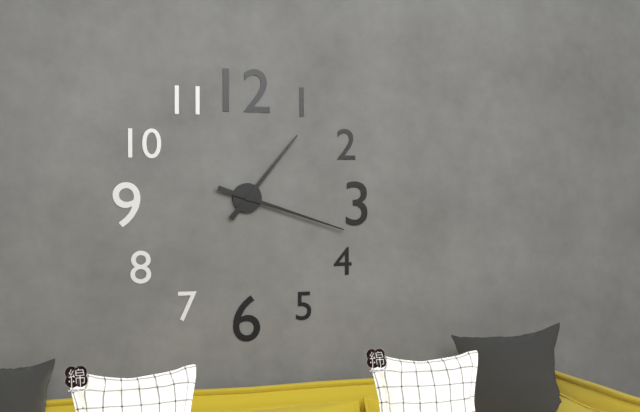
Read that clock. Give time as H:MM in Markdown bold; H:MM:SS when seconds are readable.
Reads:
**1:18**
